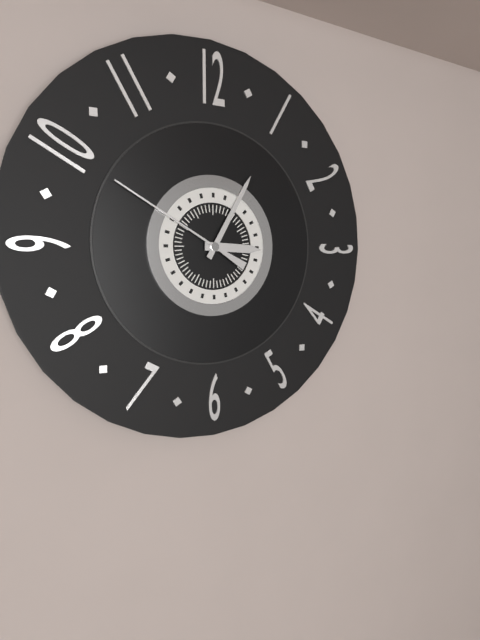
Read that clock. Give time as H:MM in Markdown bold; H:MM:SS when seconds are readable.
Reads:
**3:05:50**
